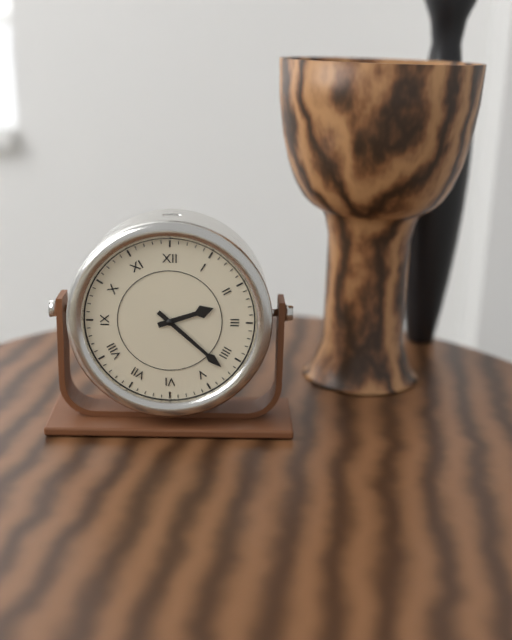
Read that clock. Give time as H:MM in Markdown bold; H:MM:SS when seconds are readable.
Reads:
**2:22**
